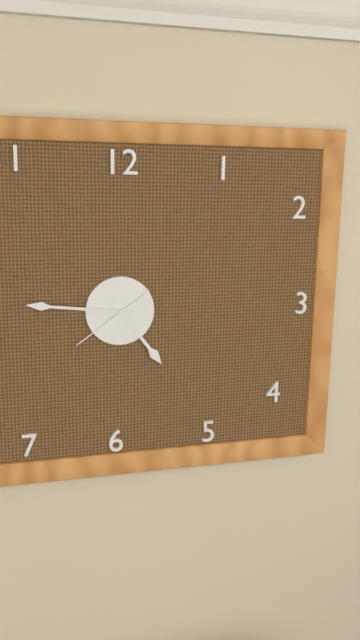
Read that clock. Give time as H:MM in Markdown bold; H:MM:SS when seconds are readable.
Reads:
**4:46:39**
